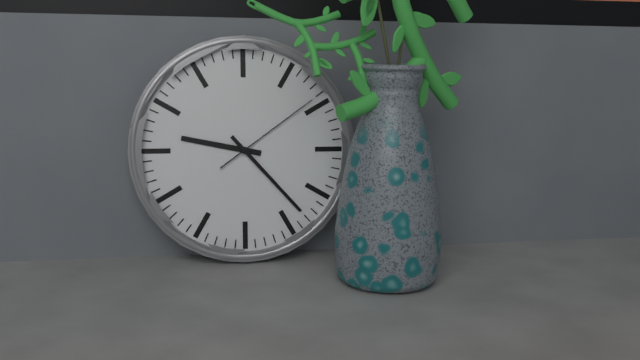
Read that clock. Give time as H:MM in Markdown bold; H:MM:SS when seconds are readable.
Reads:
**9:23:09**
